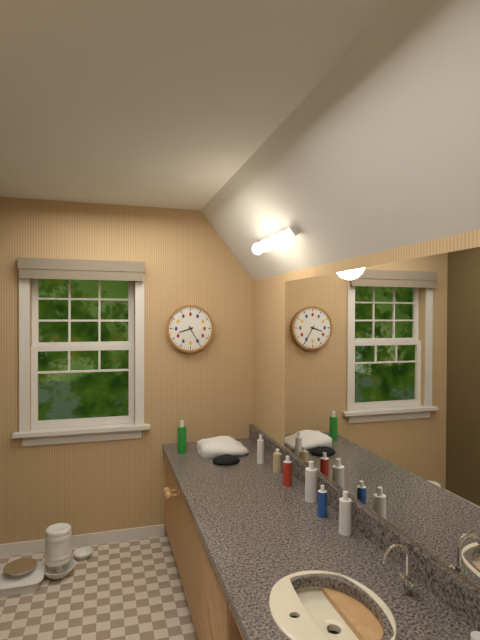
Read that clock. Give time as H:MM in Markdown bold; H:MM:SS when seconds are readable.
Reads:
**8:25**
